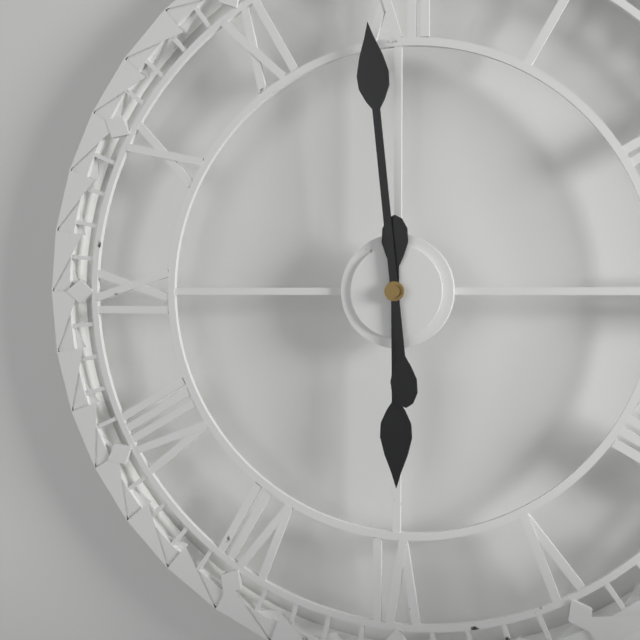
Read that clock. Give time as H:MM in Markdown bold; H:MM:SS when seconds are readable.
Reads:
**5:59**
